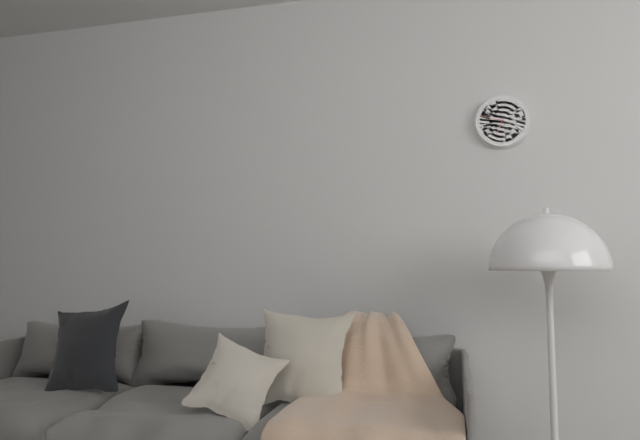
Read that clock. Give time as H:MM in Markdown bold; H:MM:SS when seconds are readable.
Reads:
**6:48**
